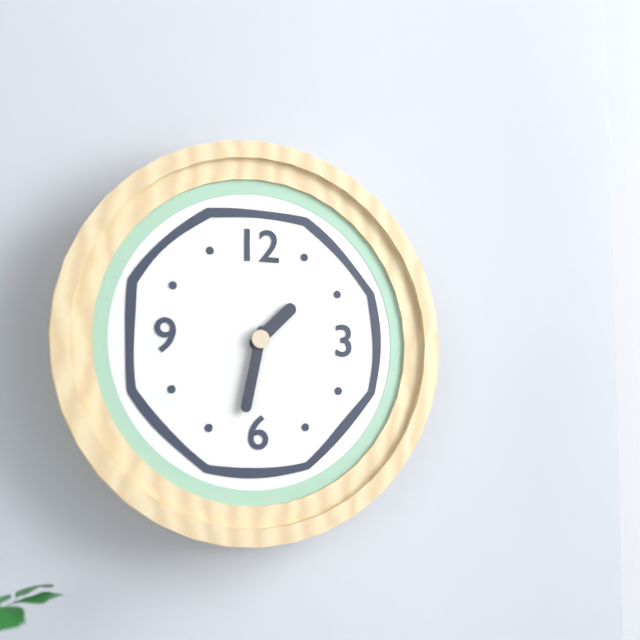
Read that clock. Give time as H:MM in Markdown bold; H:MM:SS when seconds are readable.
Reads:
**1:32**
